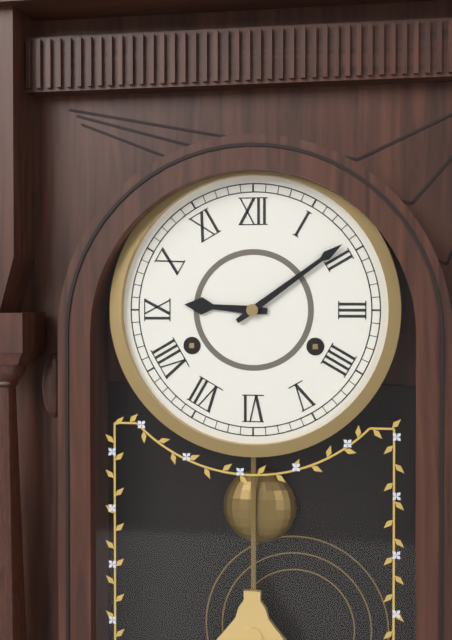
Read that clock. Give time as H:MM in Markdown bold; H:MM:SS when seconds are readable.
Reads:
**9:09**
